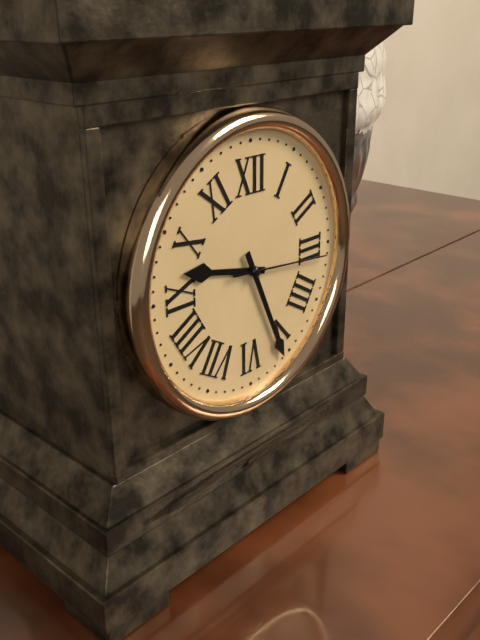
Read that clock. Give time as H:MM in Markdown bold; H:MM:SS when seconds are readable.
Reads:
**9:26:16**
